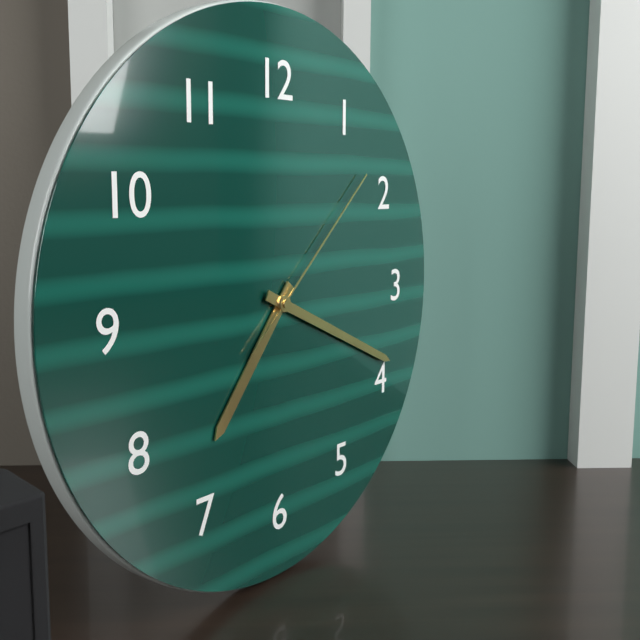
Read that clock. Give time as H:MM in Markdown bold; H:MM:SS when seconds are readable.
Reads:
**7:19:08**
